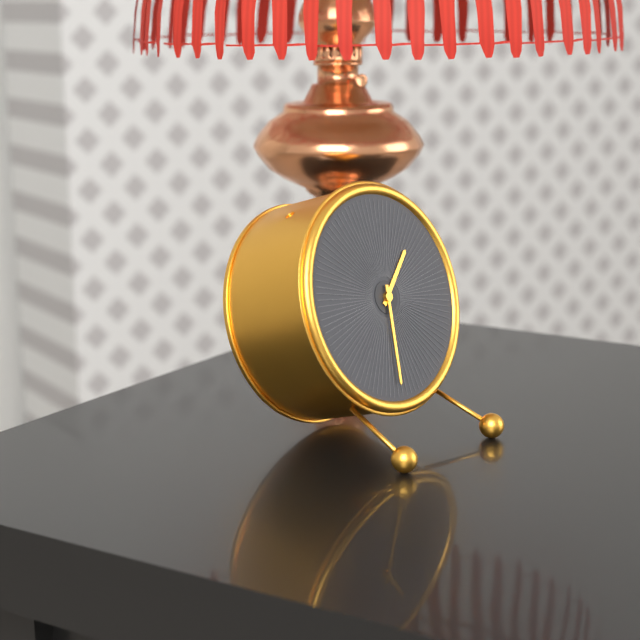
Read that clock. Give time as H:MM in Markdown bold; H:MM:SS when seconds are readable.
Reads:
**1:31**
